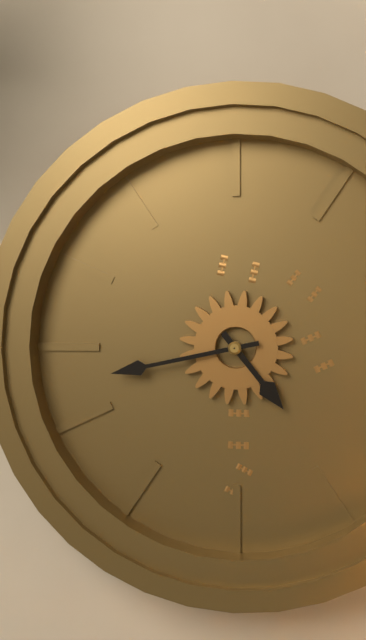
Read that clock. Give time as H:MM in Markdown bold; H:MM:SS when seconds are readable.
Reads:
**4:43**
